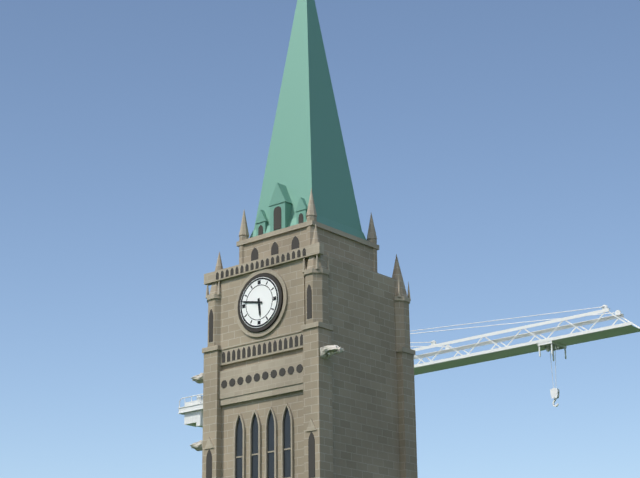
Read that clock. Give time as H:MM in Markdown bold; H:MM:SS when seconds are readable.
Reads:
**5:47**
